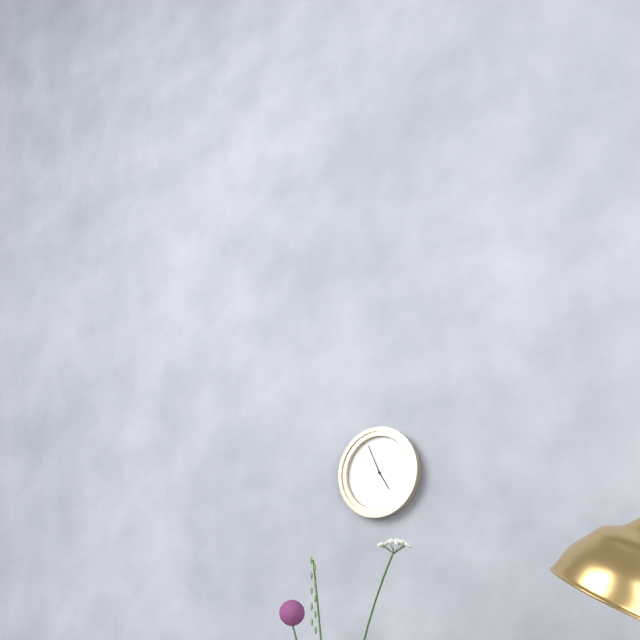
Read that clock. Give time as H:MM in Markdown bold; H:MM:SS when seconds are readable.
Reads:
**4:56**
